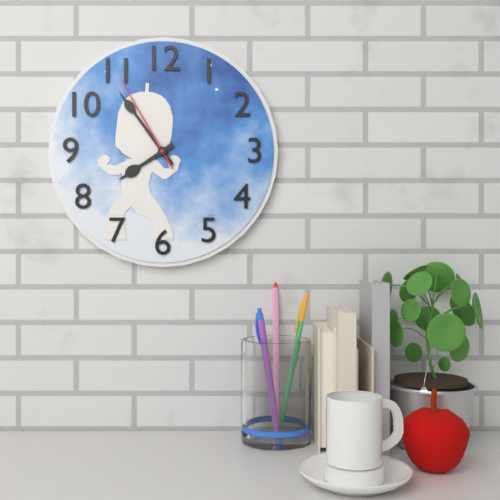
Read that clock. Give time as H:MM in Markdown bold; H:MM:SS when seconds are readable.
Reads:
**7:54:55**
